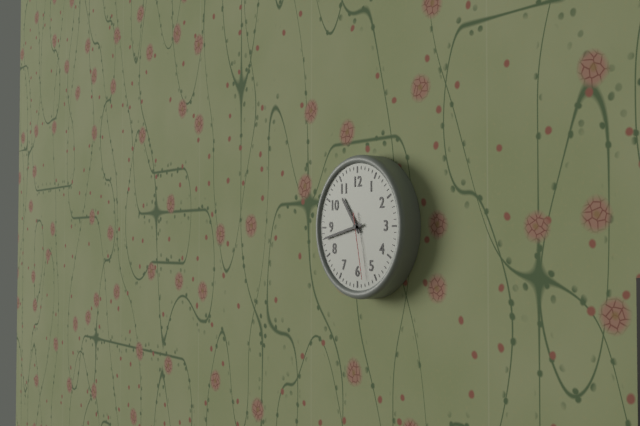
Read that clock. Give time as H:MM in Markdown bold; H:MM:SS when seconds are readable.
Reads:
**10:43:28**
